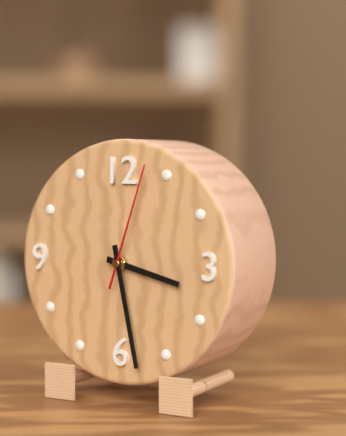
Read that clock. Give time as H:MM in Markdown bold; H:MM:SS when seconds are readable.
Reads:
**3:28:03**
